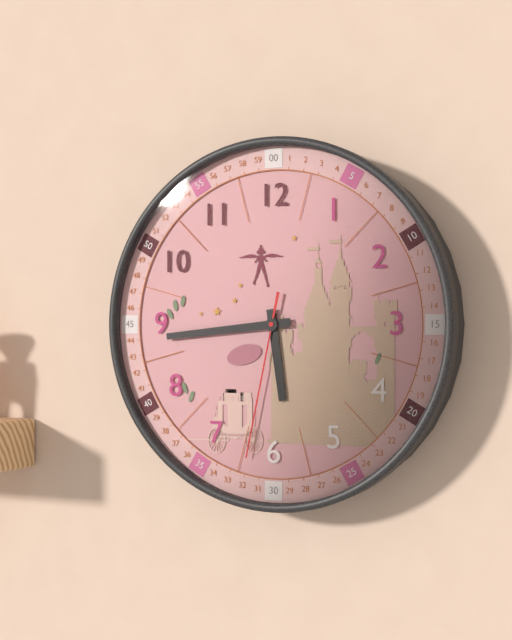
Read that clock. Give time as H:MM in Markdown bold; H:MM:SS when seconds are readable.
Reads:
**5:44:32**
